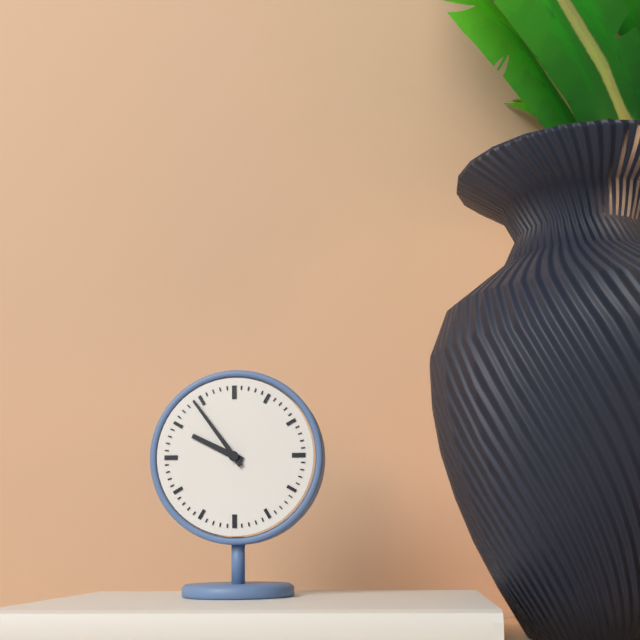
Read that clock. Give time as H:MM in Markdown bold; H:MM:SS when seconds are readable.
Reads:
**9:54**
